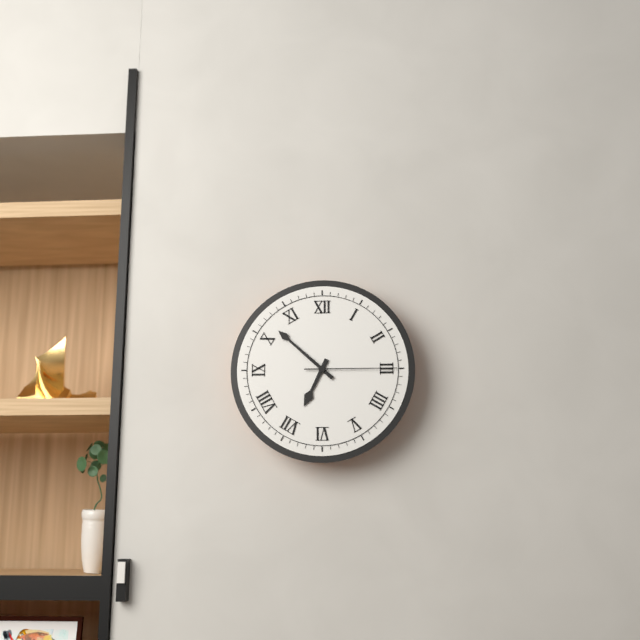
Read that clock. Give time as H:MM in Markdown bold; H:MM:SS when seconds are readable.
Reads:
**6:52:15**
